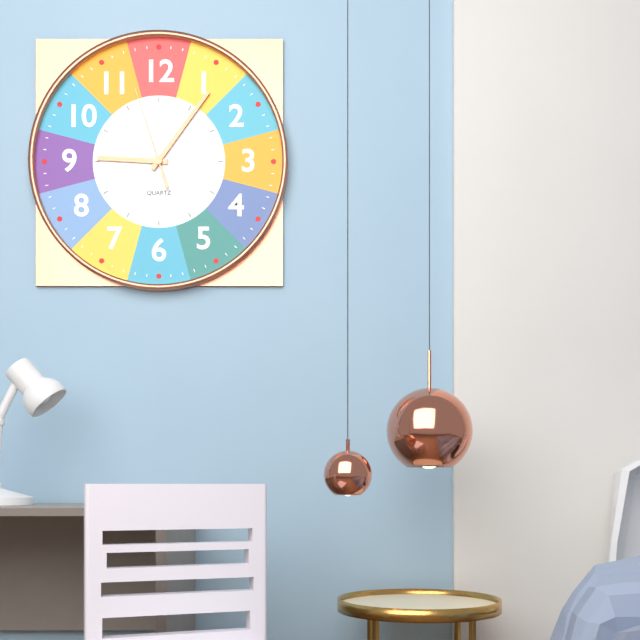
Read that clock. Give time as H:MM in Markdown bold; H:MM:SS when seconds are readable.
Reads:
**9:06:57**
